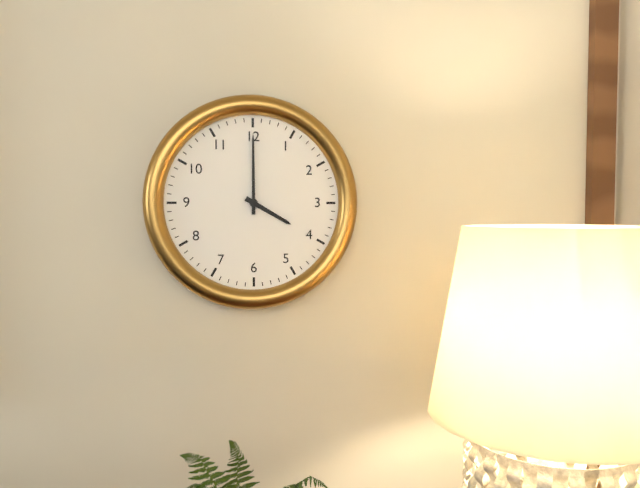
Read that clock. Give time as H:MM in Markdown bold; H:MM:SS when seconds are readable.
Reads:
**4:00**
